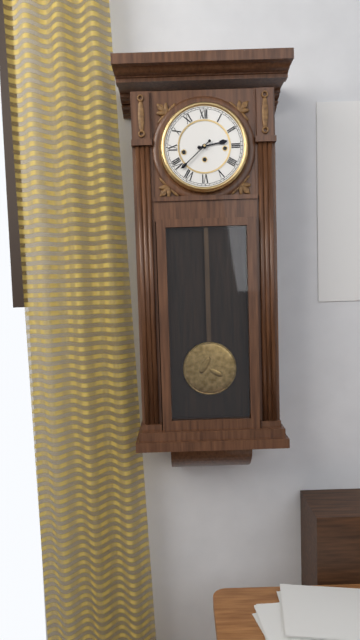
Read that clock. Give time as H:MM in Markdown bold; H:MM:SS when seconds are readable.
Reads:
**2:38**
